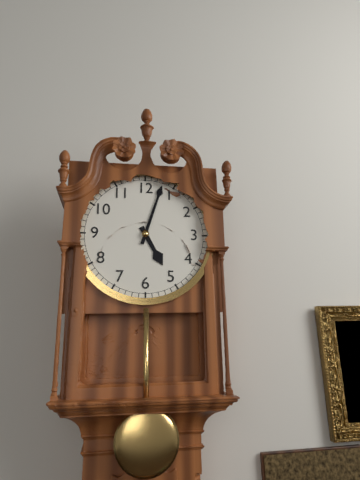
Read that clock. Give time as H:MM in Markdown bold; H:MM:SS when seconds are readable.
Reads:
**5:03**
